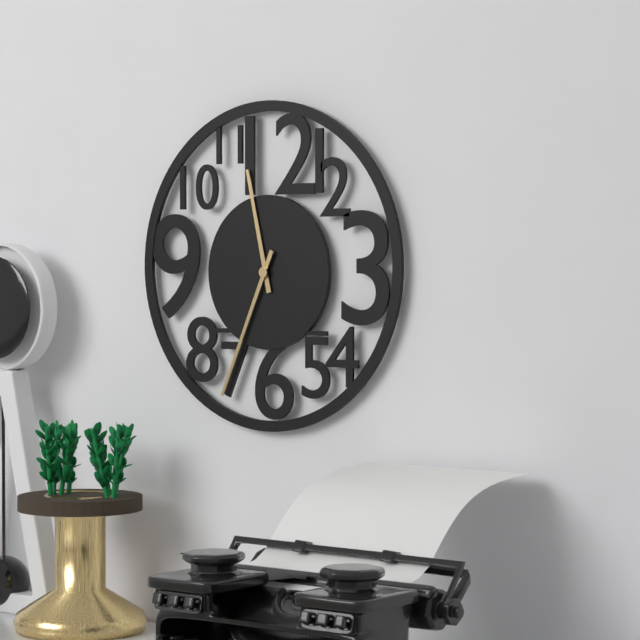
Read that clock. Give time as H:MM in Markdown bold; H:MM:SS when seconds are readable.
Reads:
**11:34**
